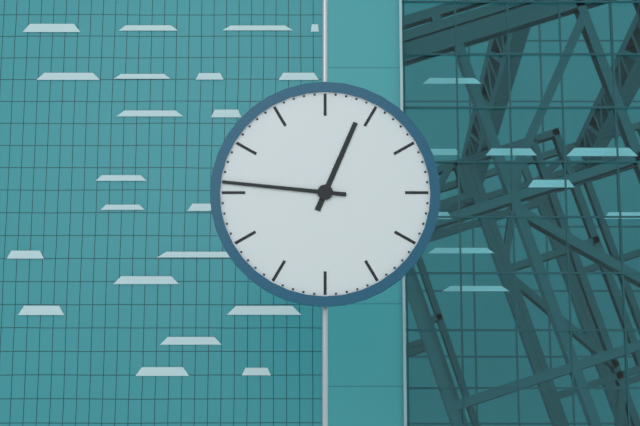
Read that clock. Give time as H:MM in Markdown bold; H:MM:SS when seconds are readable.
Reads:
**12:46**
